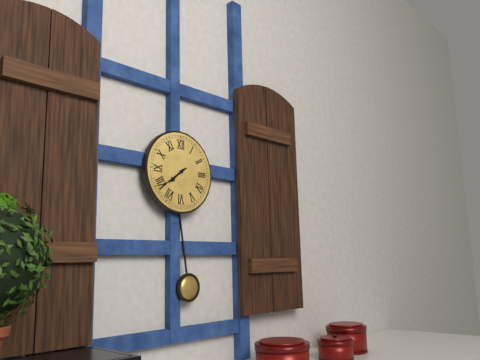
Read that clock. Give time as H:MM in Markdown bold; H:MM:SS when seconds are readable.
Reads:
**7:39**
